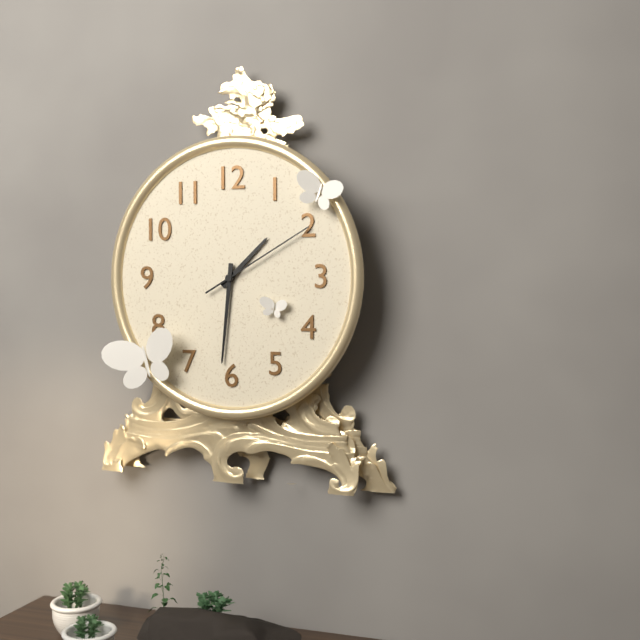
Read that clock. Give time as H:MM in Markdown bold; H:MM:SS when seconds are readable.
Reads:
**1:31:10**
